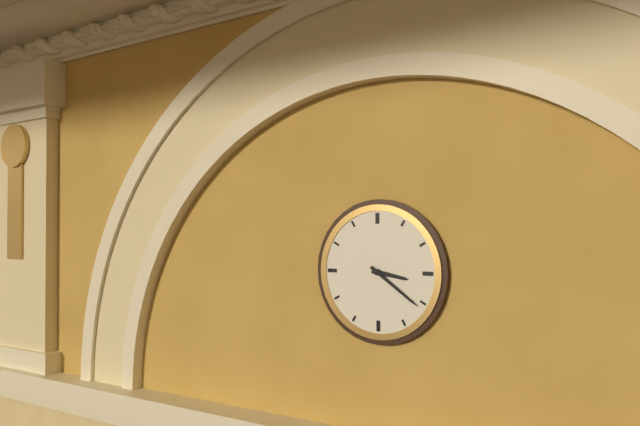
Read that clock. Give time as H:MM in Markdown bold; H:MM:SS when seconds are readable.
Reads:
**3:21**
